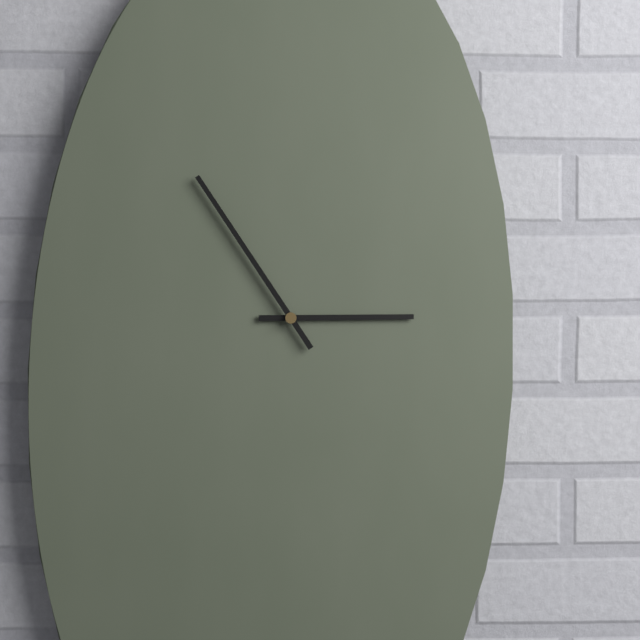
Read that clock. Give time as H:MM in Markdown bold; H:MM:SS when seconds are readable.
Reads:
**2:54**
